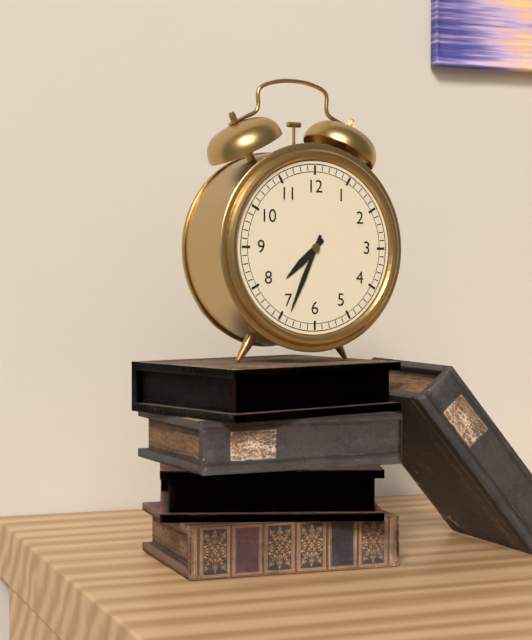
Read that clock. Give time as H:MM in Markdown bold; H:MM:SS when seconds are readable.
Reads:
**7:34**
